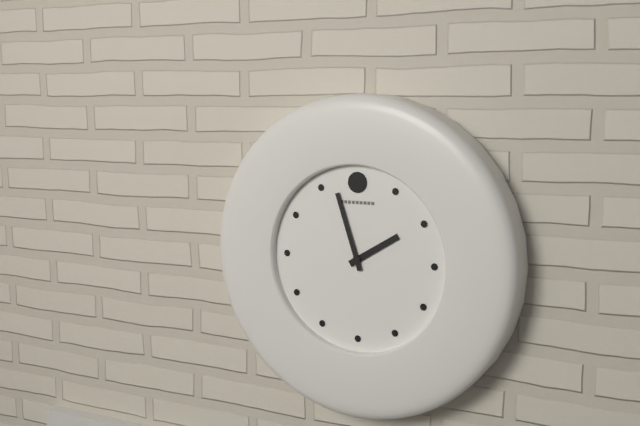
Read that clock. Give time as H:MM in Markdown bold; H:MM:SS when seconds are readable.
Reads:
**1:57**
